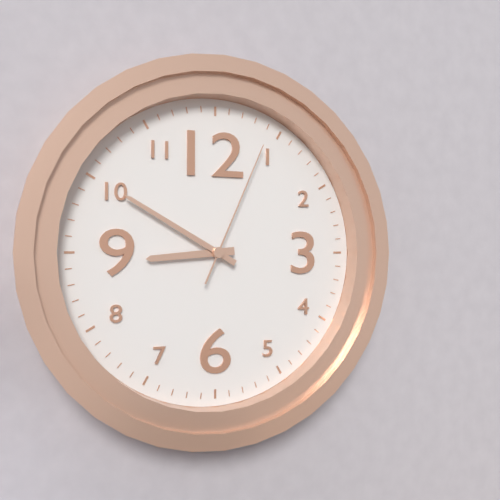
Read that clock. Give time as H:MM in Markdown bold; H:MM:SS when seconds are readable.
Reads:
**8:50:04**
